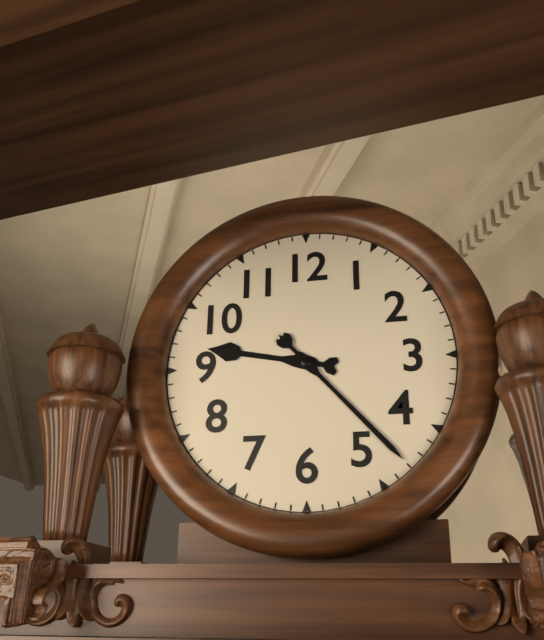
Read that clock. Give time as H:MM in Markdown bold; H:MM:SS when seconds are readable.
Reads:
**9:23**
